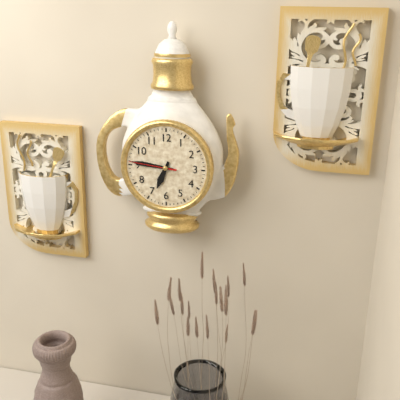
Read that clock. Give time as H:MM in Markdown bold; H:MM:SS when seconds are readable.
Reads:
**6:46**
